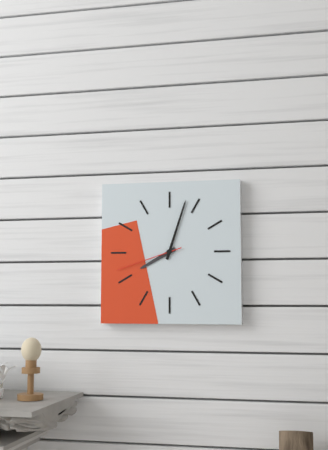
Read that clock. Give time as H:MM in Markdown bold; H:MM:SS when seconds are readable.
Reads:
**8:03:42**
